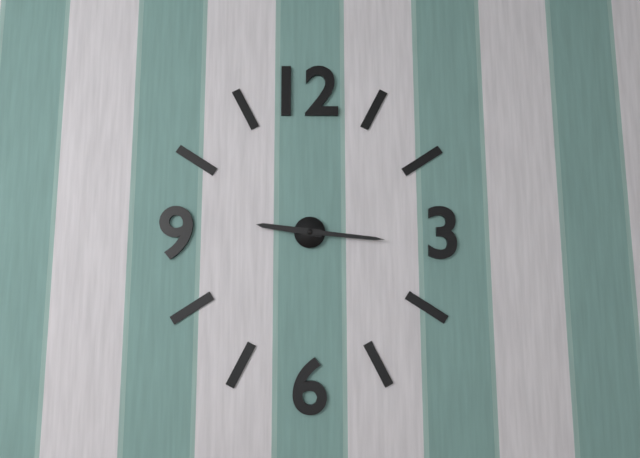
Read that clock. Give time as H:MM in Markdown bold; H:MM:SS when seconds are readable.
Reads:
**9:16**
